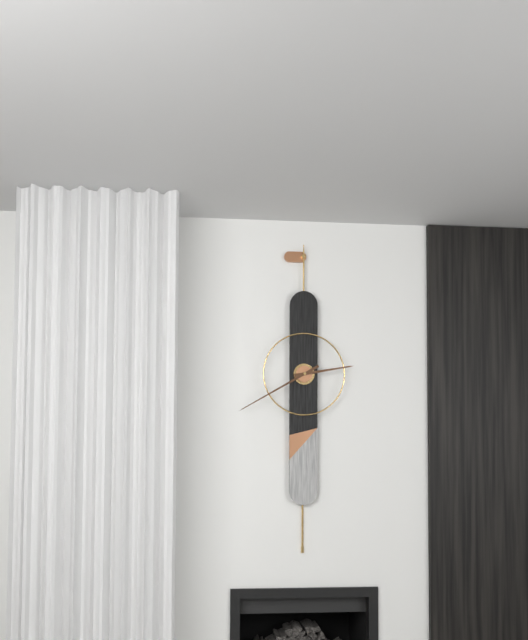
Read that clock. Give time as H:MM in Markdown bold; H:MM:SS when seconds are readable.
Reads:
**2:40**
